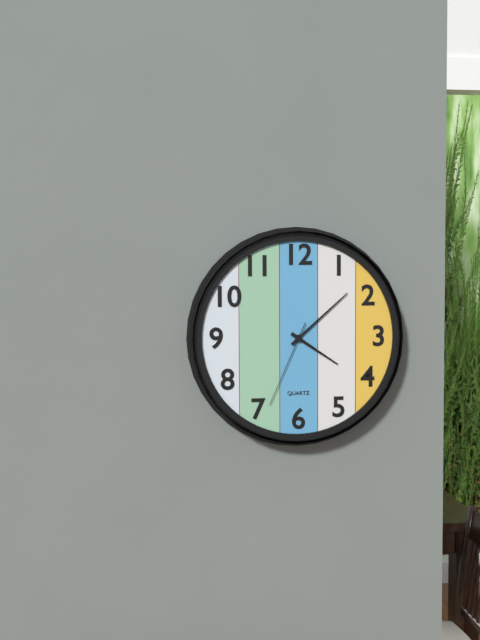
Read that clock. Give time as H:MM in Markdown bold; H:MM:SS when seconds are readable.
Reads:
**4:08:34**
